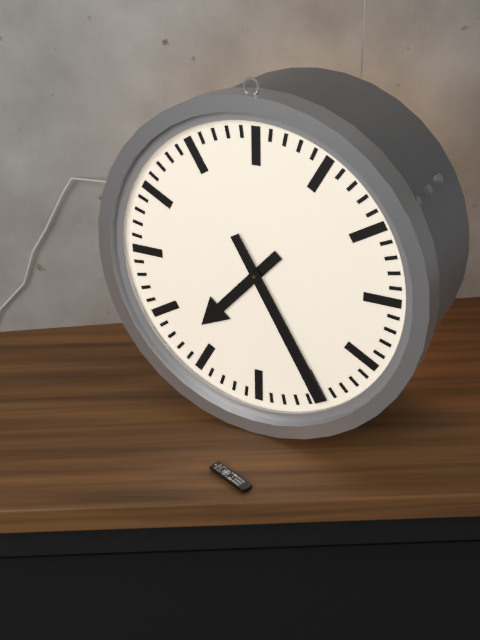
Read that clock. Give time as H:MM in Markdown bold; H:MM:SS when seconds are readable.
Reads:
**7:25**
